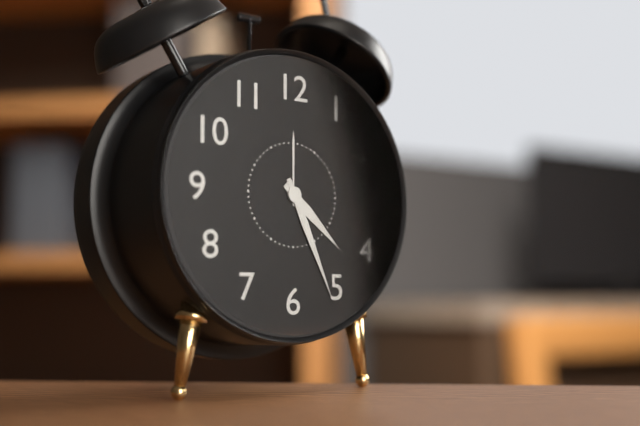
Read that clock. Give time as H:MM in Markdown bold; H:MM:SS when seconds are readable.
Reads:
**4:26**
